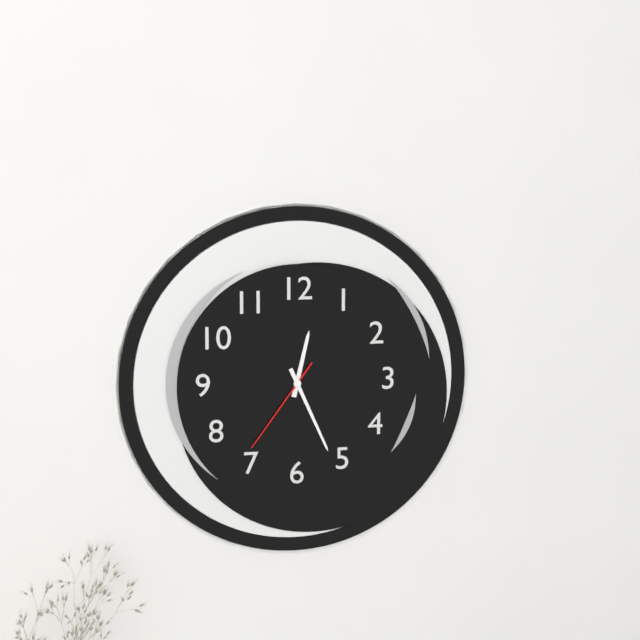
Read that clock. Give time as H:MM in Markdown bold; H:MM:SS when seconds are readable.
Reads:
**12:26:36**
